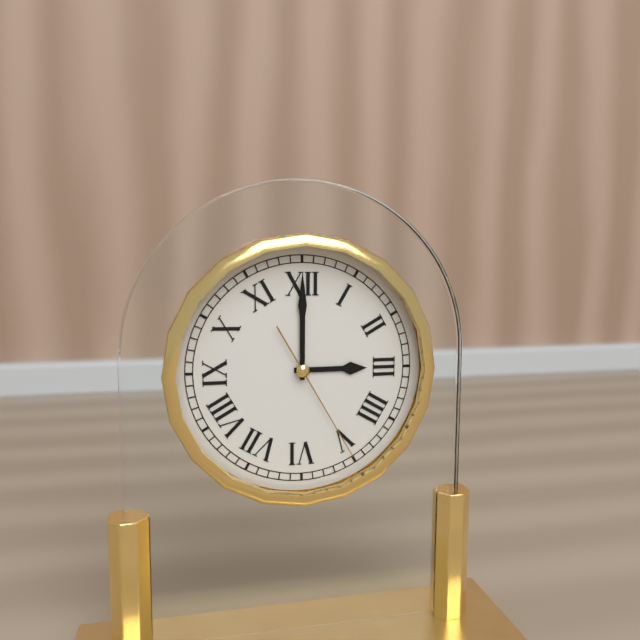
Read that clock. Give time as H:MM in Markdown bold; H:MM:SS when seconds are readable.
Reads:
**3:00:25**
